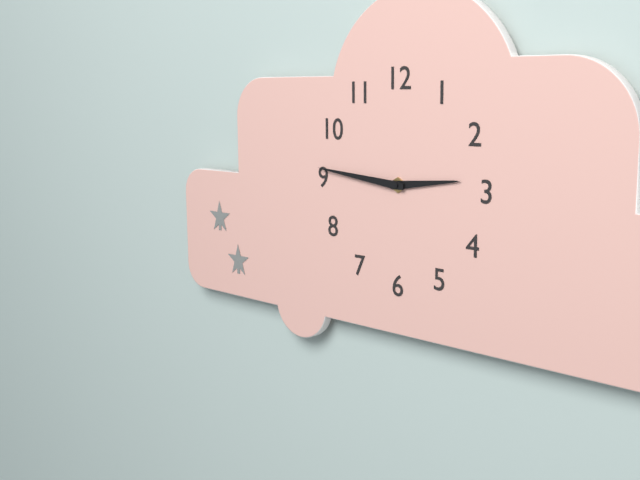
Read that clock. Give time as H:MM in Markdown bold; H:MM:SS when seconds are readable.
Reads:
**2:46**
